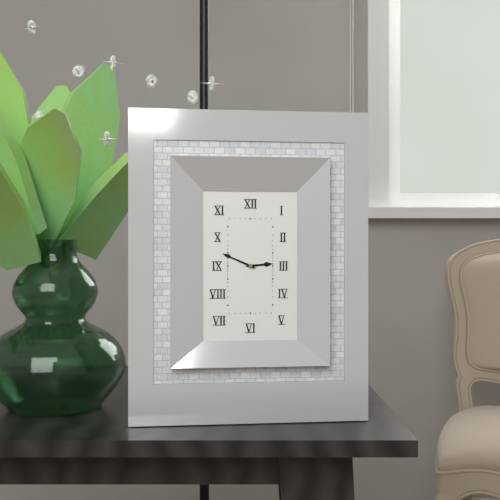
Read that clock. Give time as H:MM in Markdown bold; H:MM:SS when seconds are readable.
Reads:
**2:49**
